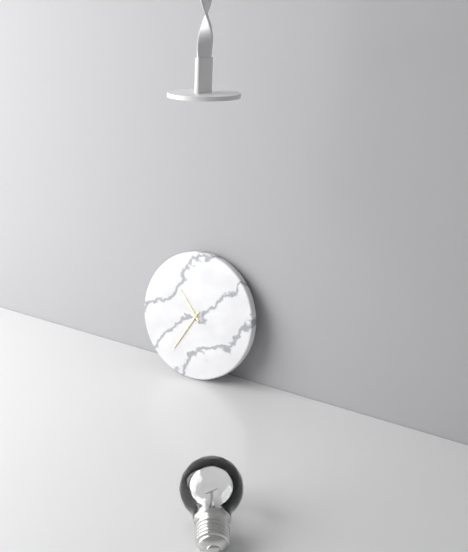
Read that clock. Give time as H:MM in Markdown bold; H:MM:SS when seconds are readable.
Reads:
**10:35**
